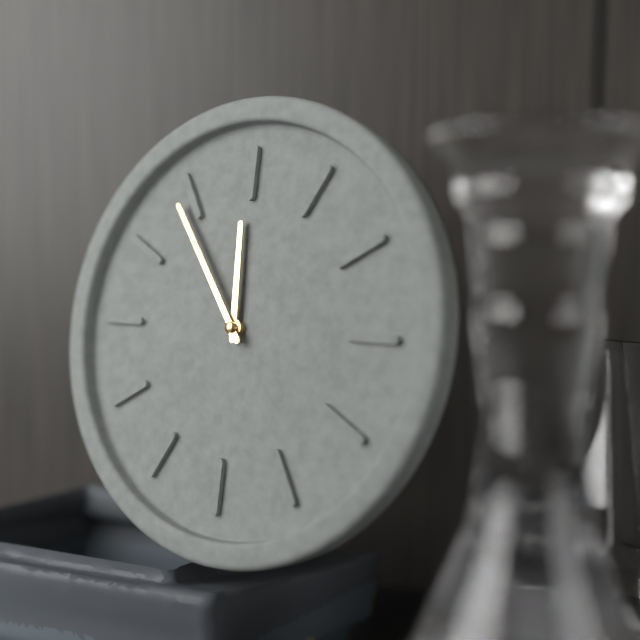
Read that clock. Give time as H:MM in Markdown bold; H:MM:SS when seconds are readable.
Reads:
**11:54**
